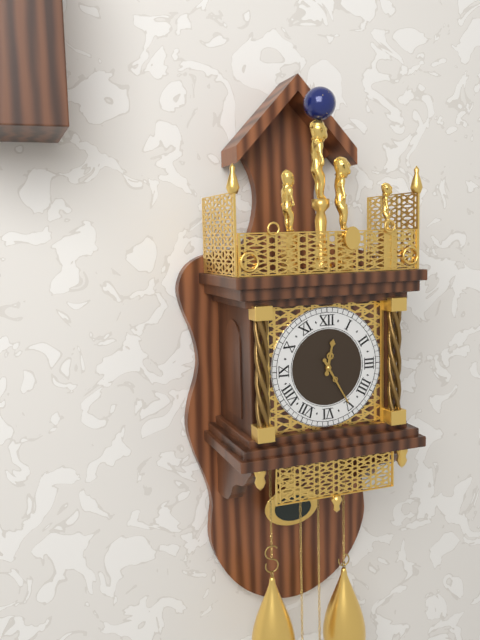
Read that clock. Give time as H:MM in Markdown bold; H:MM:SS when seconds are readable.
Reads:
**12:25**
